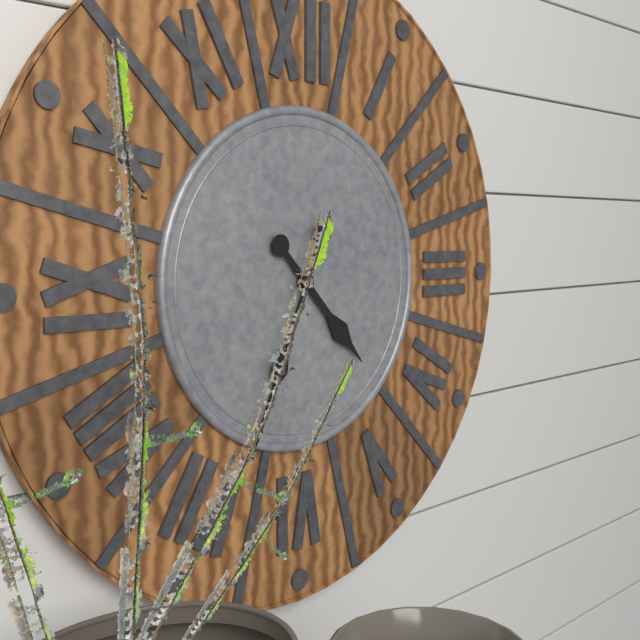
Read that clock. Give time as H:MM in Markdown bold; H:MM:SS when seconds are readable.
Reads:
**4:34**
